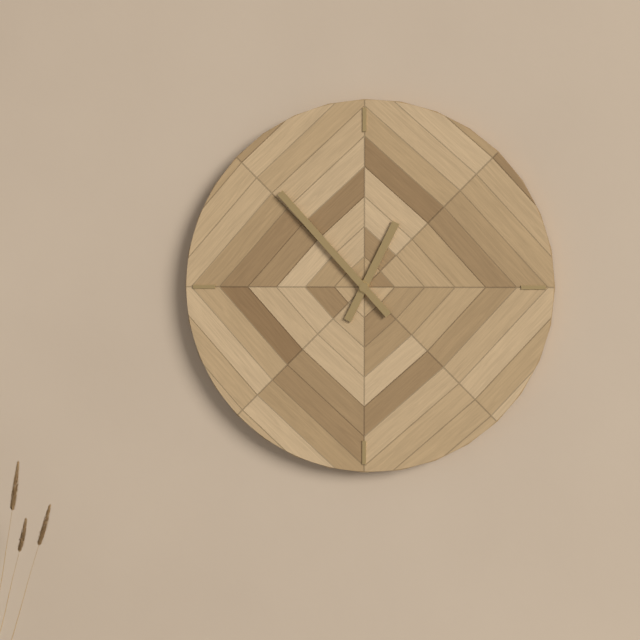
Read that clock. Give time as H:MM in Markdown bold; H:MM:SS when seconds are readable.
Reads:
**12:53**
